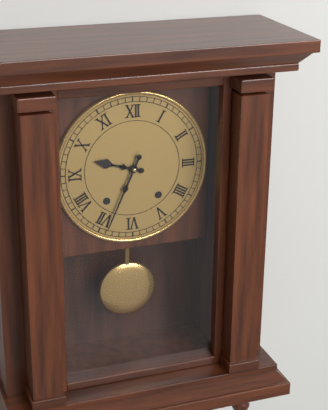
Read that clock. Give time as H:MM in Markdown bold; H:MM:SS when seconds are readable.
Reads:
**9:34**
